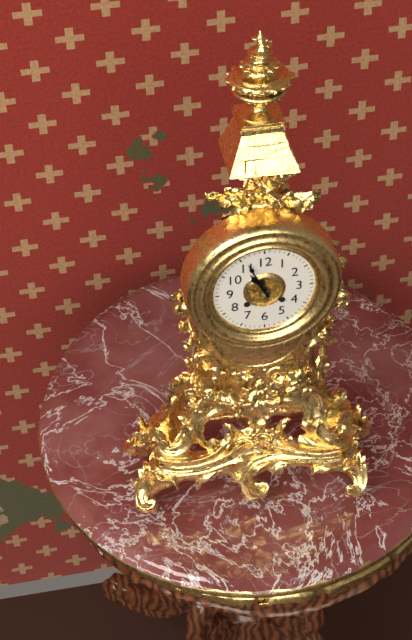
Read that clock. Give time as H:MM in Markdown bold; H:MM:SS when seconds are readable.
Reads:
**10:56**
